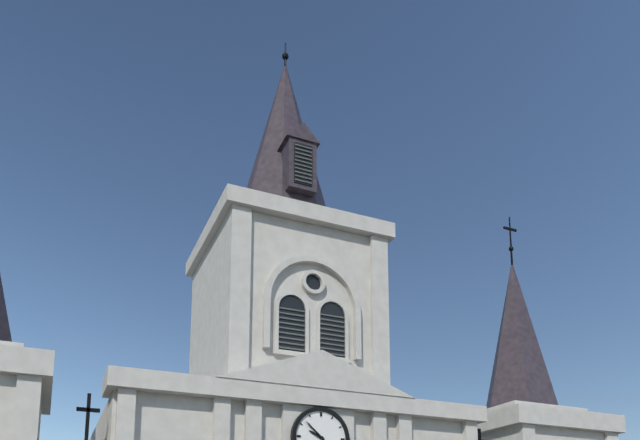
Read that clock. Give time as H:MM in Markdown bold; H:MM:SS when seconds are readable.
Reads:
**9:52**
